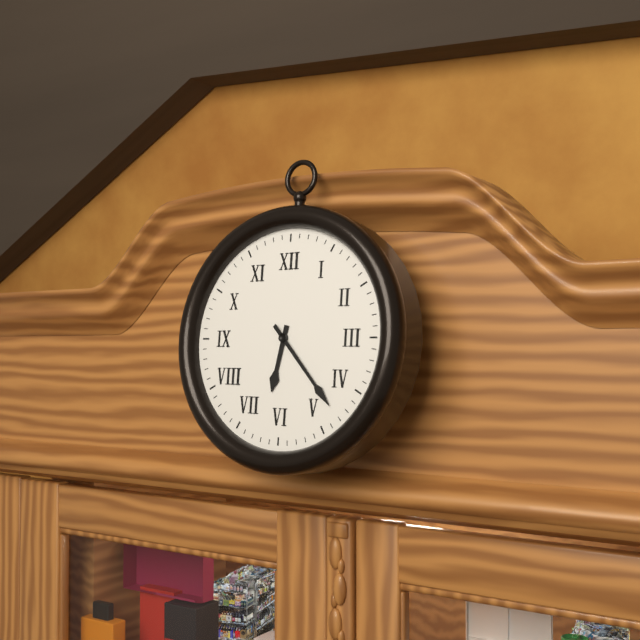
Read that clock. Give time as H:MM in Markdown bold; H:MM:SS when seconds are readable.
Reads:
**6:23**
